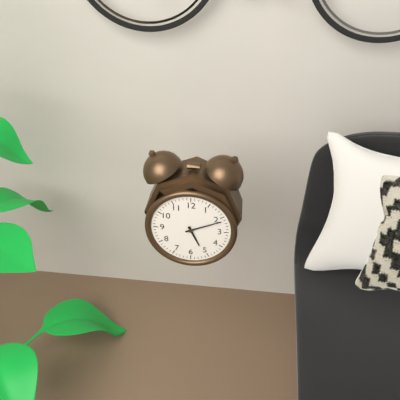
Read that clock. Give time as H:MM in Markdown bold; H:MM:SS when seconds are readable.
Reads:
**5:11**
